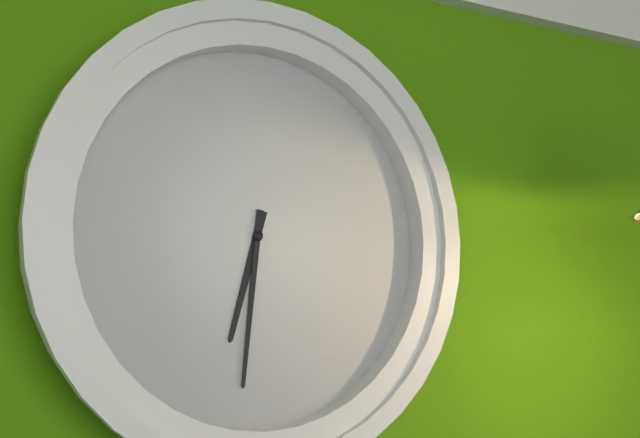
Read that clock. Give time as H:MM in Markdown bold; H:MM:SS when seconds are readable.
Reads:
**6:31**
